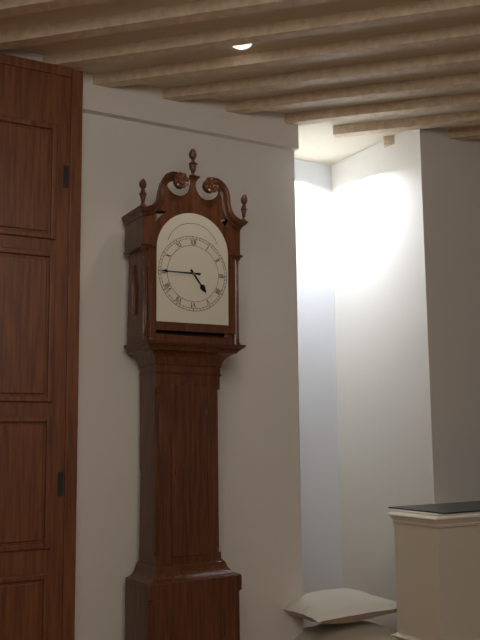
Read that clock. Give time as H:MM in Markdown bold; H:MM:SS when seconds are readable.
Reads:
**4:45**
